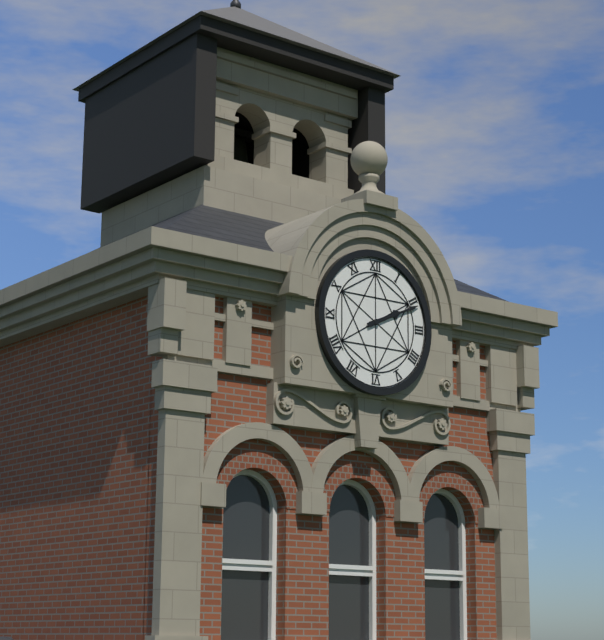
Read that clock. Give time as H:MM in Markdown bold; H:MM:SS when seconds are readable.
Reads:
**2:11**
